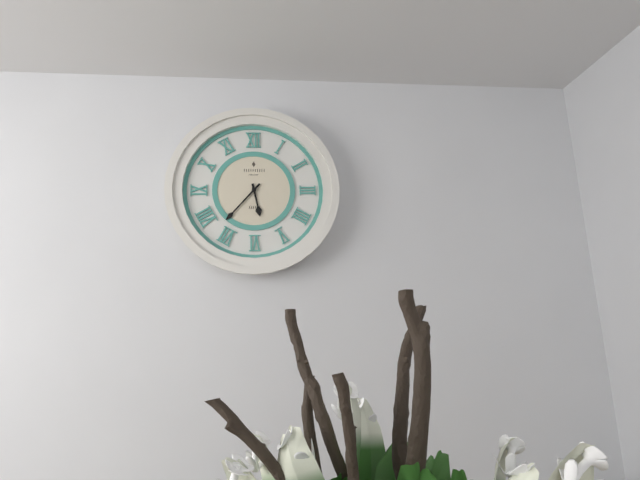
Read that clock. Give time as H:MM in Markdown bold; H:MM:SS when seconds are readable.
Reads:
**5:37**
